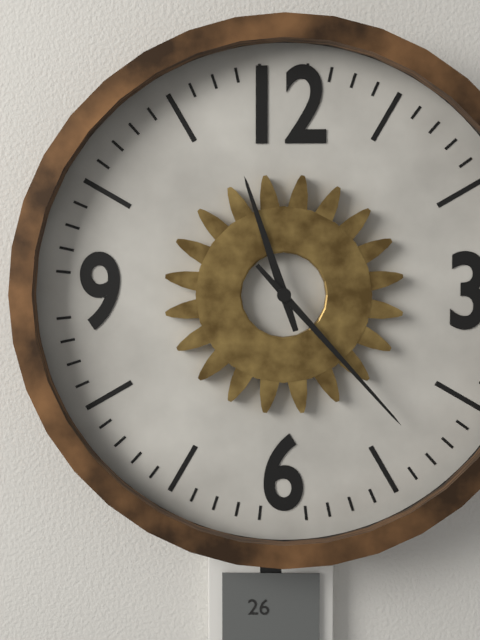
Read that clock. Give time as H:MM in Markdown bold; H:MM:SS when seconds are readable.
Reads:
**11:23**
